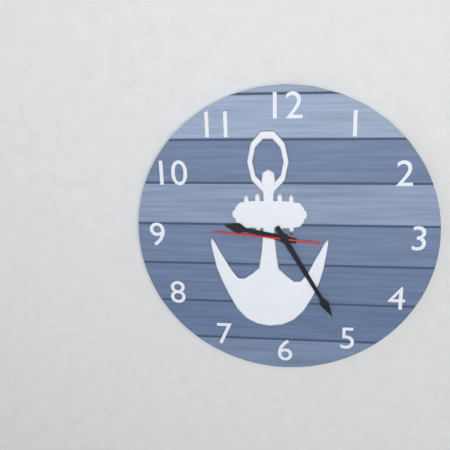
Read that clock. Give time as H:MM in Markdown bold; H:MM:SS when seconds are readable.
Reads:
**9:25:46**
